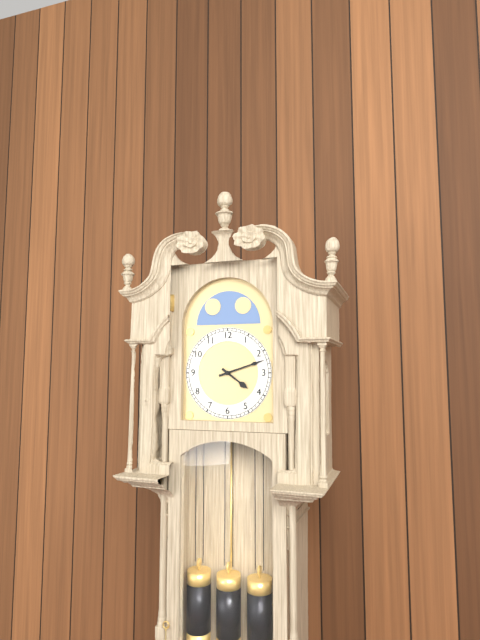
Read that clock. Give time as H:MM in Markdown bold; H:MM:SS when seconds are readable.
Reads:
**4:12**
